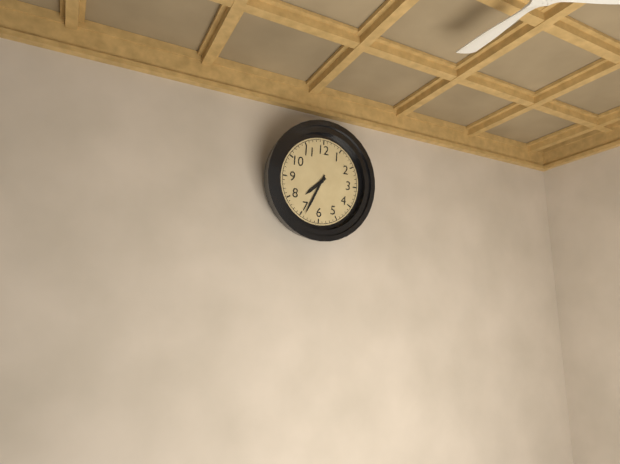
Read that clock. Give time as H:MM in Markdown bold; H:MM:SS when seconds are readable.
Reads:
**7:34**
